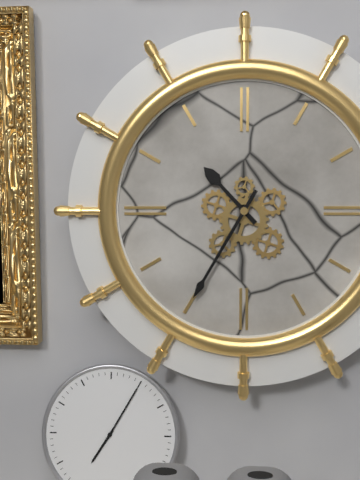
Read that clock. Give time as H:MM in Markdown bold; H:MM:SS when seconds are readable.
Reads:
**10:35**
